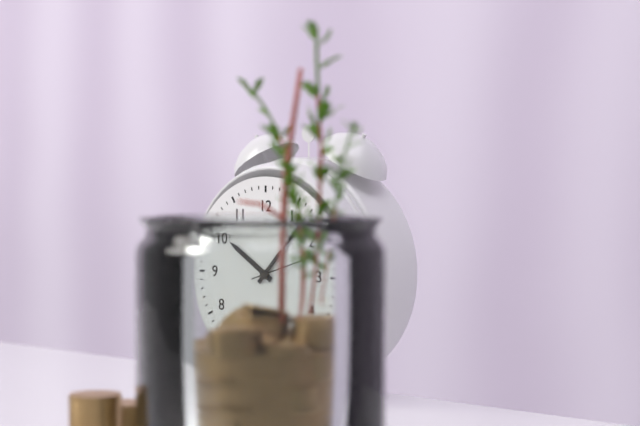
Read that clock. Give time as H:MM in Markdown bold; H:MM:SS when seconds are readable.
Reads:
**10:07**
